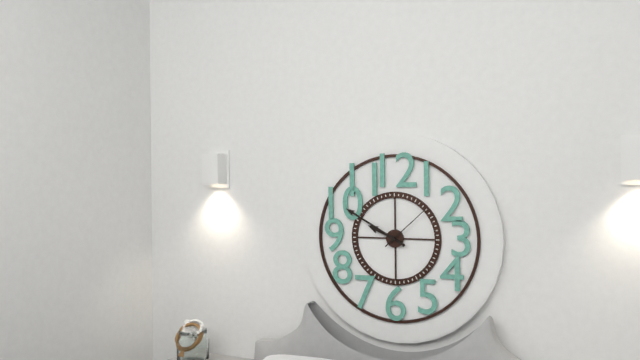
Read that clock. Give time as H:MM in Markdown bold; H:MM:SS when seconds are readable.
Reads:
**9:50:08**
